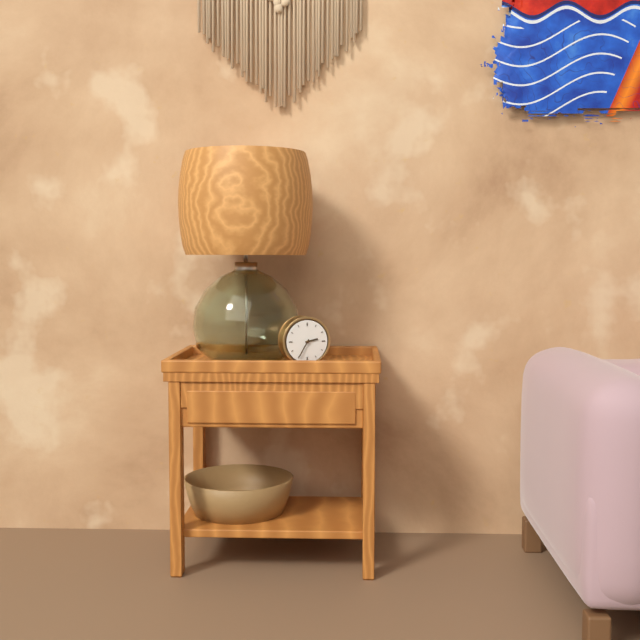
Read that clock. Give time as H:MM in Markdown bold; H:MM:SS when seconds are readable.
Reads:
**2:35**
